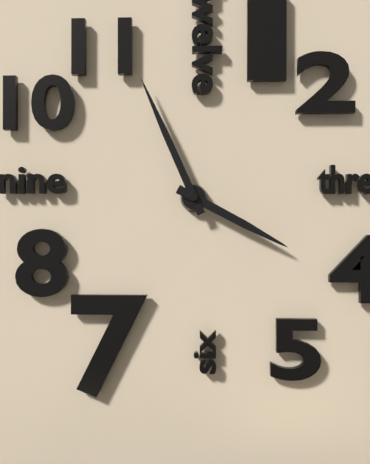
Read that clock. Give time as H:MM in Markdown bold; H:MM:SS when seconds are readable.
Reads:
**3:56**
